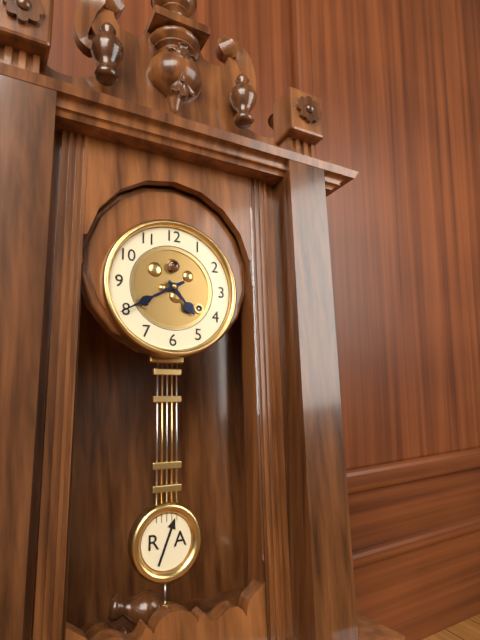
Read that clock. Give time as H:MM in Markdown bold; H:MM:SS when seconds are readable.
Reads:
**4:40**
